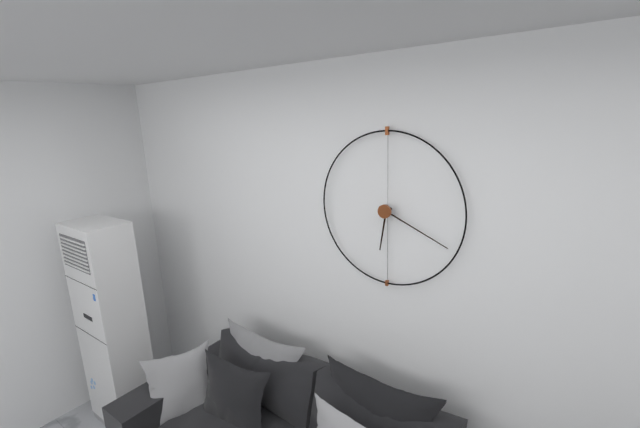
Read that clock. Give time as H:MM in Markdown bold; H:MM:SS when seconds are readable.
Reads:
**6:19**
